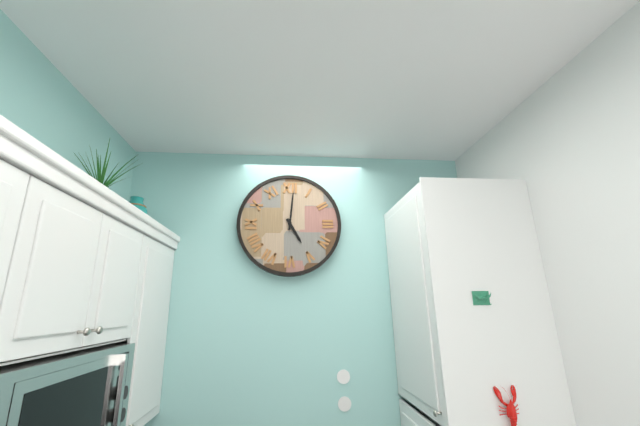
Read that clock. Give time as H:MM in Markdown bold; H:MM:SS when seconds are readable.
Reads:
**5:01**
